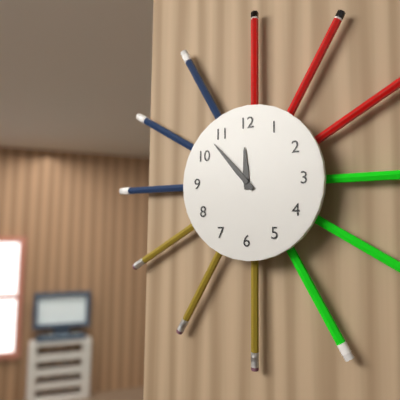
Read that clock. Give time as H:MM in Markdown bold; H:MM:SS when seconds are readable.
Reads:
**11:53**
